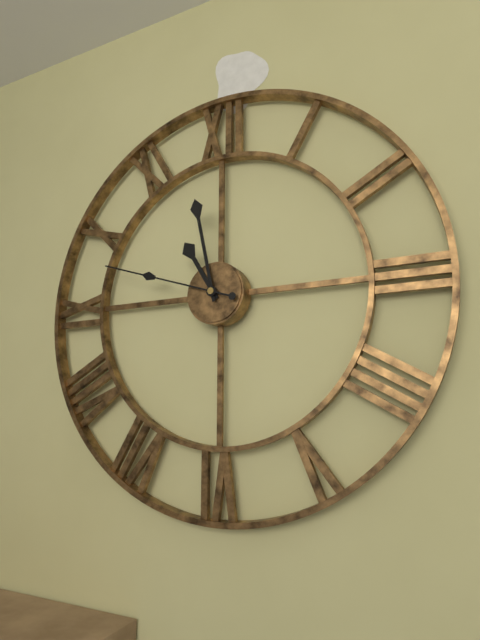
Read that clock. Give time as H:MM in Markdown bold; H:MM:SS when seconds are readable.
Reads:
**10:58:48**
